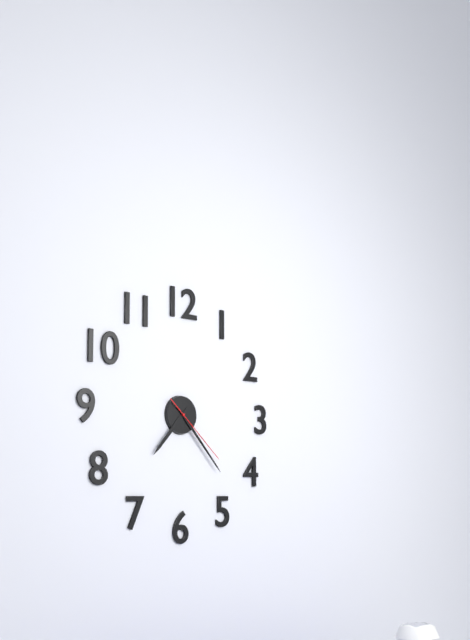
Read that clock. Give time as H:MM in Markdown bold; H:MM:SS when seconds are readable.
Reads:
**7:23:22**
